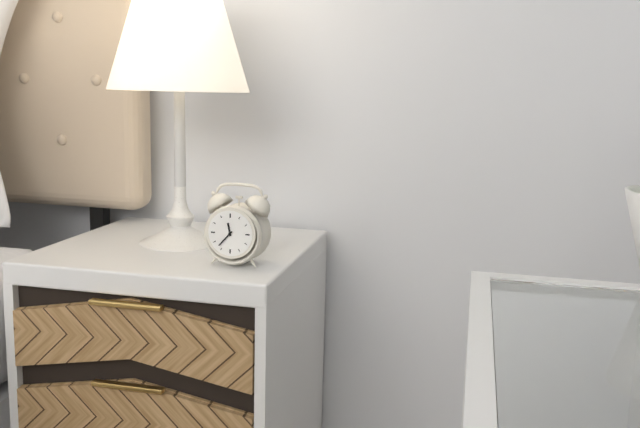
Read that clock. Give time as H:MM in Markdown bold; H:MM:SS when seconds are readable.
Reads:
**11:37**
